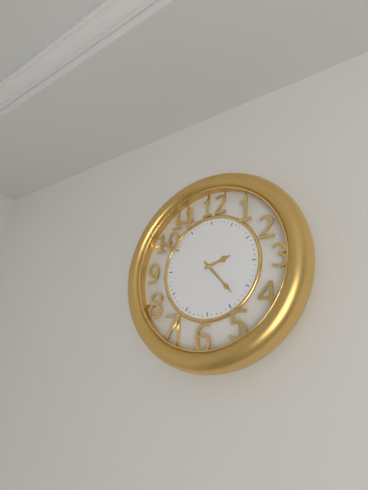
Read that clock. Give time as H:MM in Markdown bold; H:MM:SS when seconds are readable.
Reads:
**2:23**
